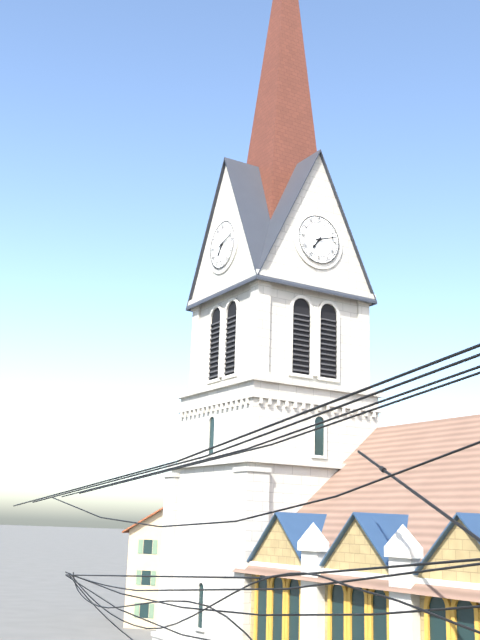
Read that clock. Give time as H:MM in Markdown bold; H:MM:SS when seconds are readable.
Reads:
**7:12**
